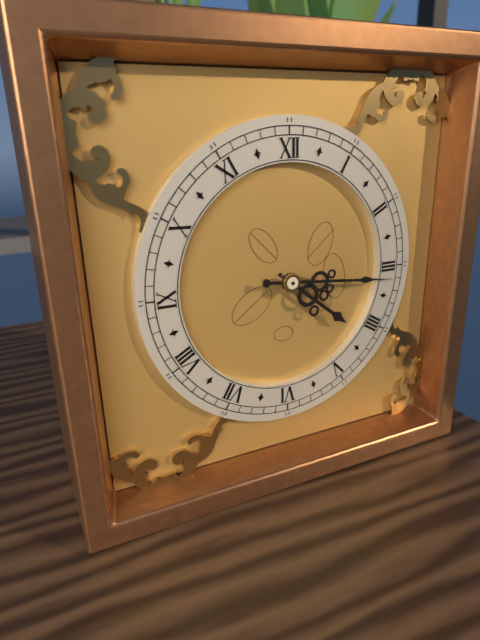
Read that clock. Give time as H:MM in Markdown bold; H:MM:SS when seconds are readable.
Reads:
**4:16**
